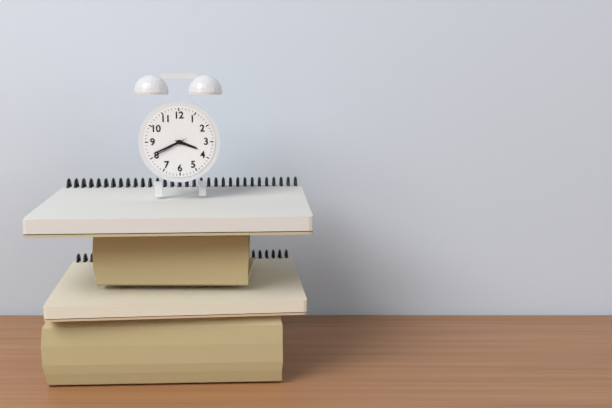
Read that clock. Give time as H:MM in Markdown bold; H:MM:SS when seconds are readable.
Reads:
**3:41**
